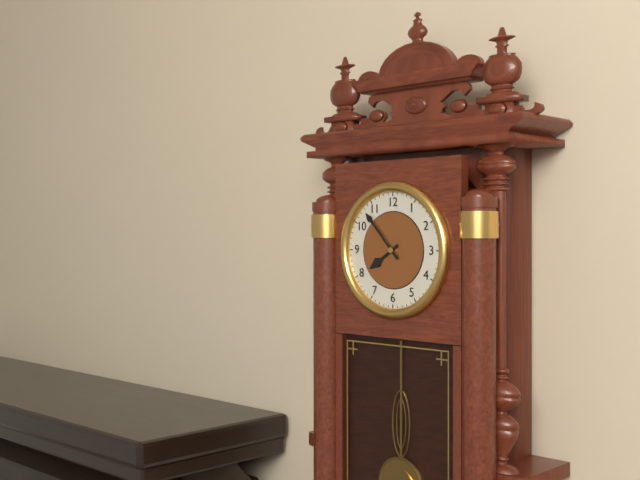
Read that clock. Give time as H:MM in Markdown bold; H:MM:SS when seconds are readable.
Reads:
**7:53**
